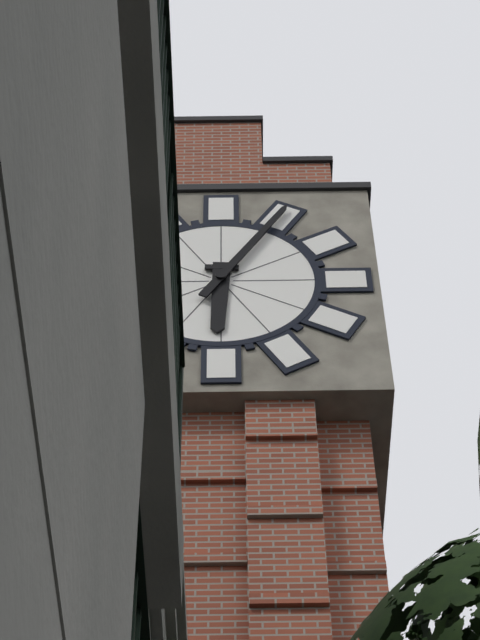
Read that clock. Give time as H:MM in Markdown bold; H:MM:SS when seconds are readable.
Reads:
**6:05**
